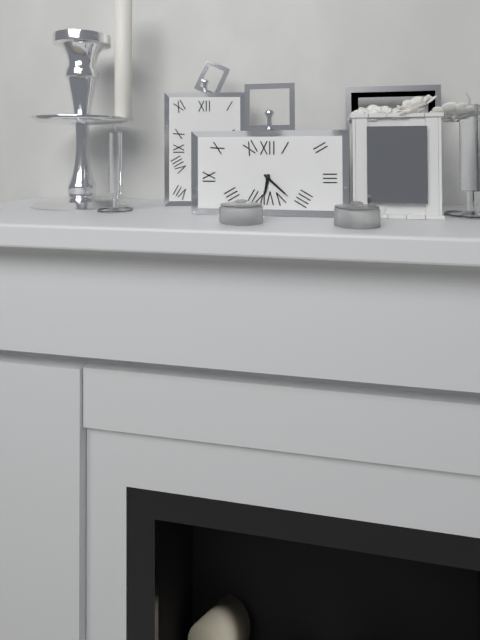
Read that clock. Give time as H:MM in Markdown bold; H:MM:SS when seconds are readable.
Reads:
**6:22**
